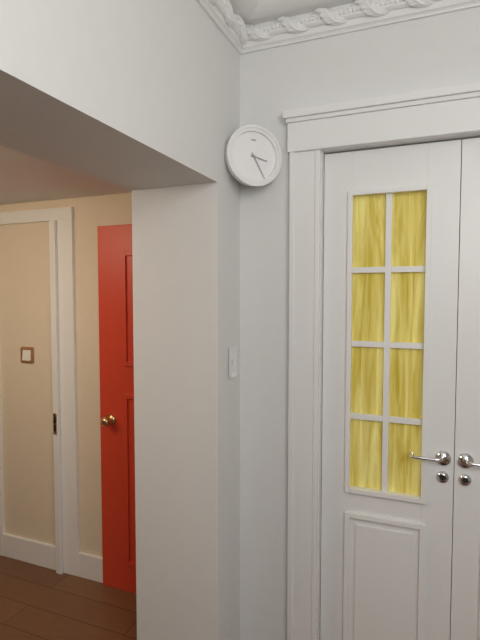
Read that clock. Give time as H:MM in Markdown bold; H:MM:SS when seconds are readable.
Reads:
**3:25**
